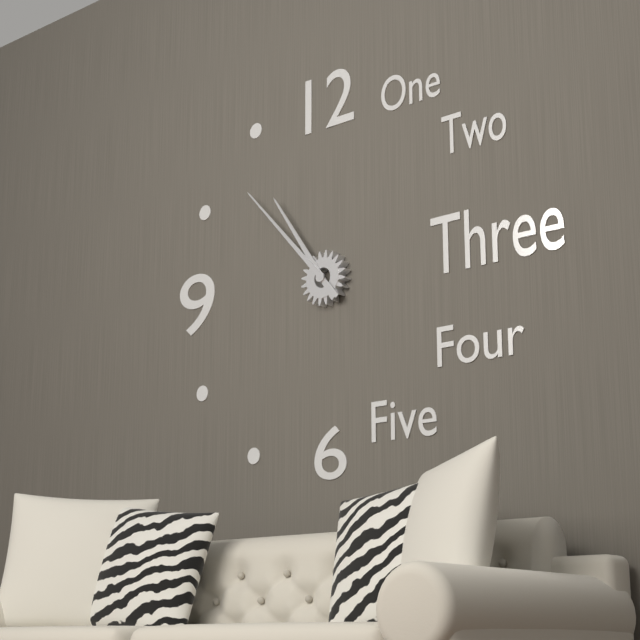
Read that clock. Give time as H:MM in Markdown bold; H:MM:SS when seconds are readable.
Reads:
**10:53**
